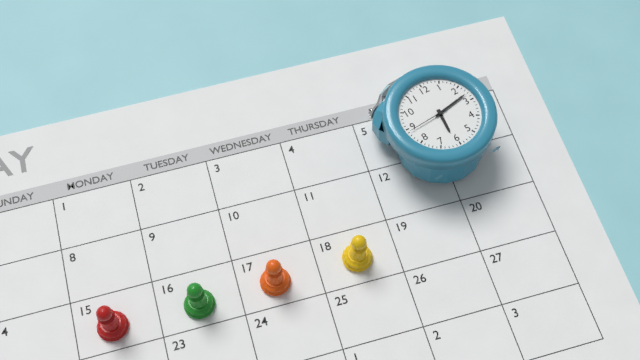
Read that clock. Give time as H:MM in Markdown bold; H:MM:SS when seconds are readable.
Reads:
**6:13**
